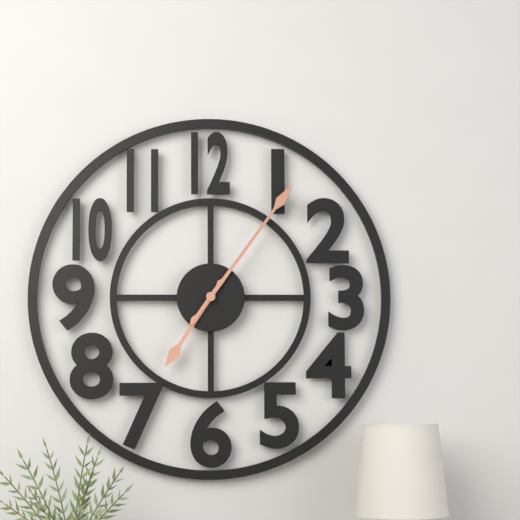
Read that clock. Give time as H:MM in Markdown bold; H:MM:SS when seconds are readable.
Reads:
**7:06**
